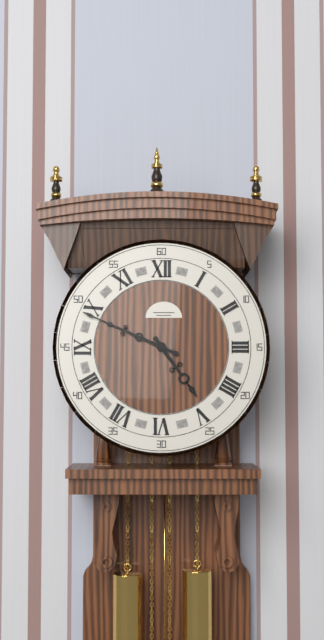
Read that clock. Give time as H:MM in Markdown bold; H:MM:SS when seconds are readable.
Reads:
**4:49**
